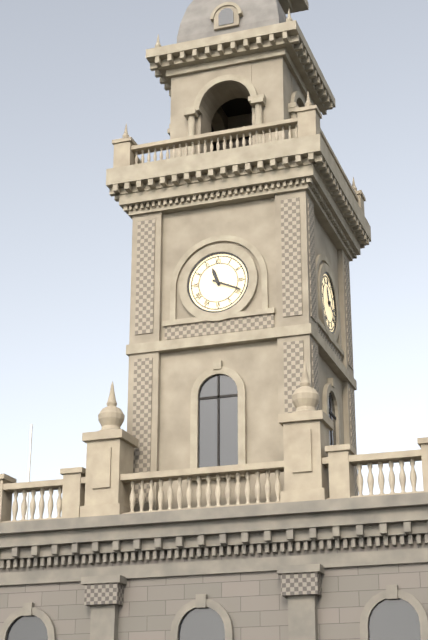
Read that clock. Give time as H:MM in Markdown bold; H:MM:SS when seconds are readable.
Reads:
**11:19**
